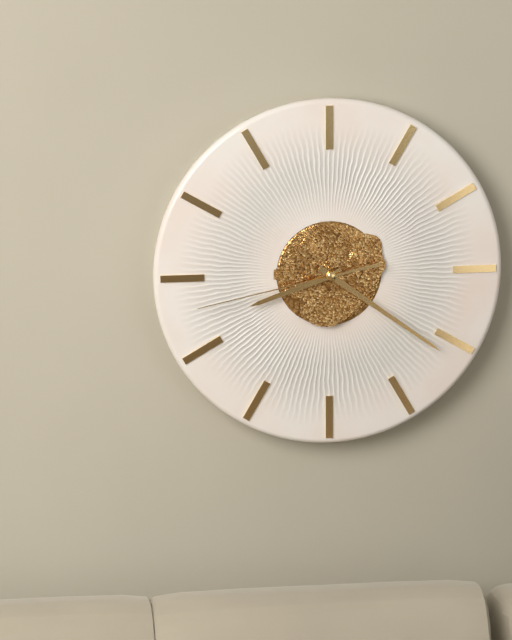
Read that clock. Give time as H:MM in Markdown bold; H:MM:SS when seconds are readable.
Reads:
**8:21:43**
